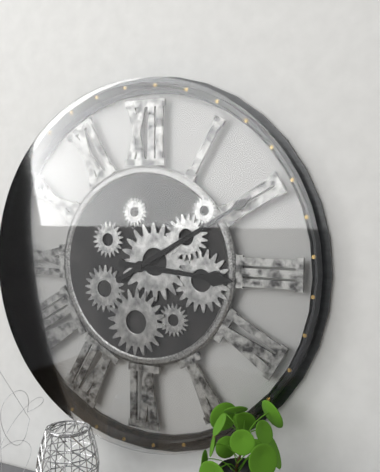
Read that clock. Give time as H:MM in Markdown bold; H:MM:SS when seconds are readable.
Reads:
**3:10**
